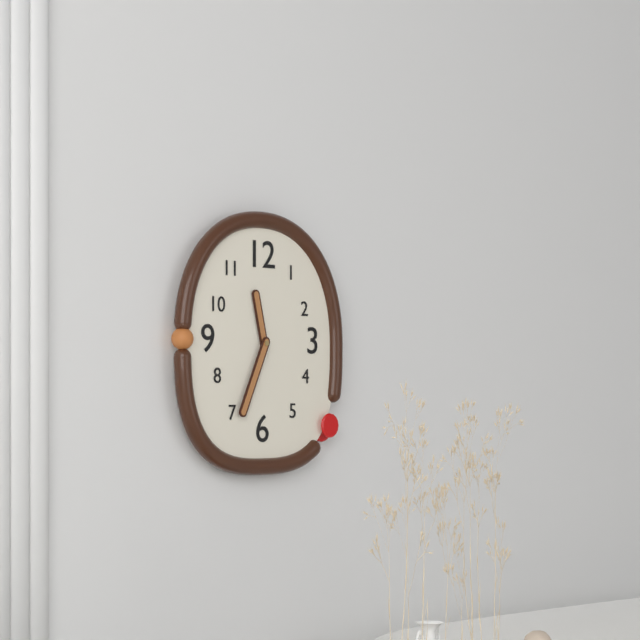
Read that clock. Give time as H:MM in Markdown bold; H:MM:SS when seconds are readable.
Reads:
**11:34**
